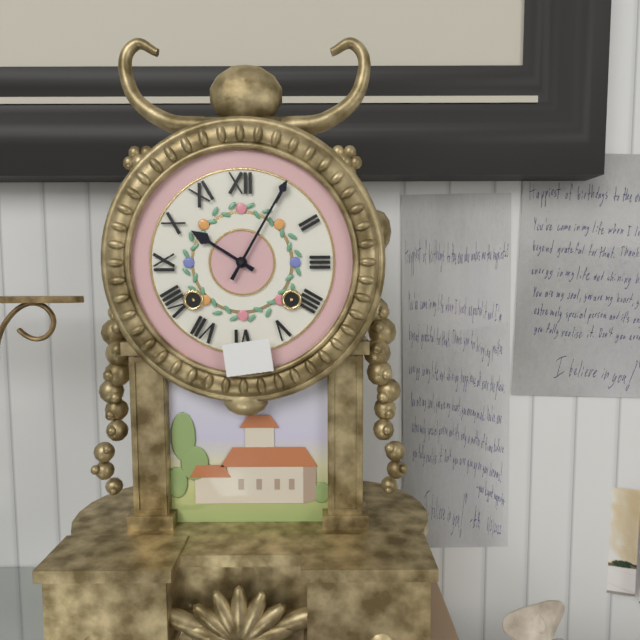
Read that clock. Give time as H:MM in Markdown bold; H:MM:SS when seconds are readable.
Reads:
**10:05**
